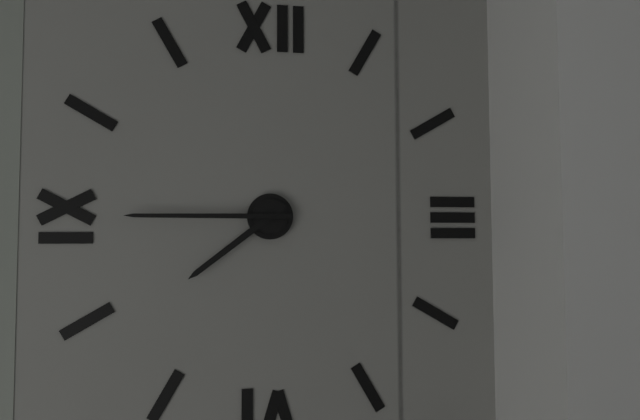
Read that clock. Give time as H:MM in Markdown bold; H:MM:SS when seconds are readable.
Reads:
**7:45**
